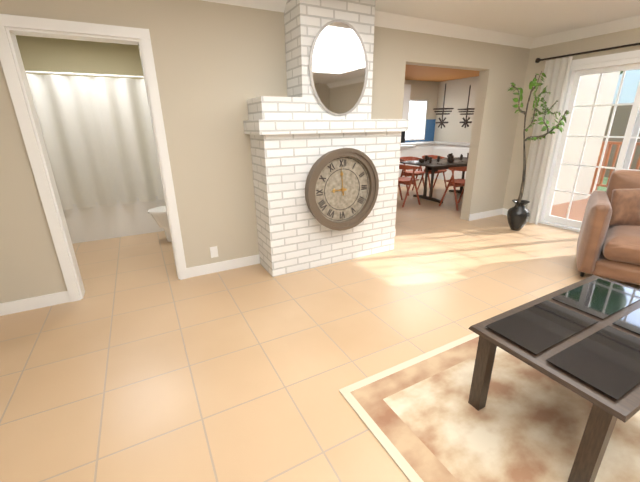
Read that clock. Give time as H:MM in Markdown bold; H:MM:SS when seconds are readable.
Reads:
**8:59**
